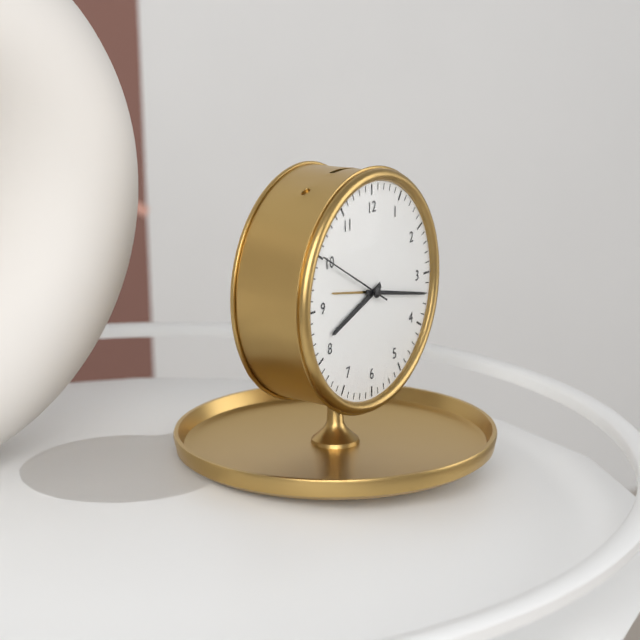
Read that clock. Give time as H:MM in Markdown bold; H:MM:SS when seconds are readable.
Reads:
**8:17:50**
